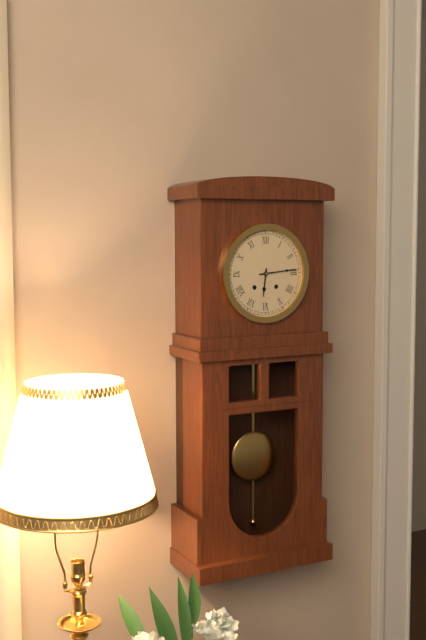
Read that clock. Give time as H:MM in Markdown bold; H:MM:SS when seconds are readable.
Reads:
**6:14**
